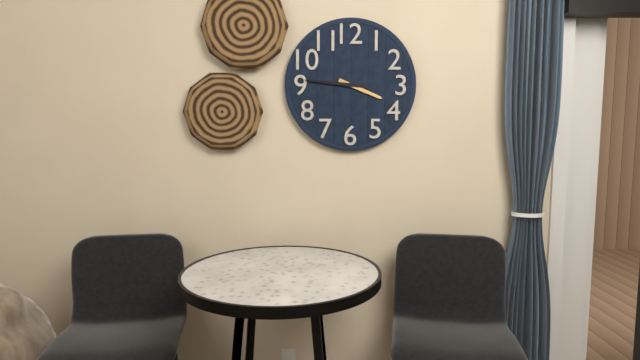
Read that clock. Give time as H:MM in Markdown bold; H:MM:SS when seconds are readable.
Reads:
**3:46**
